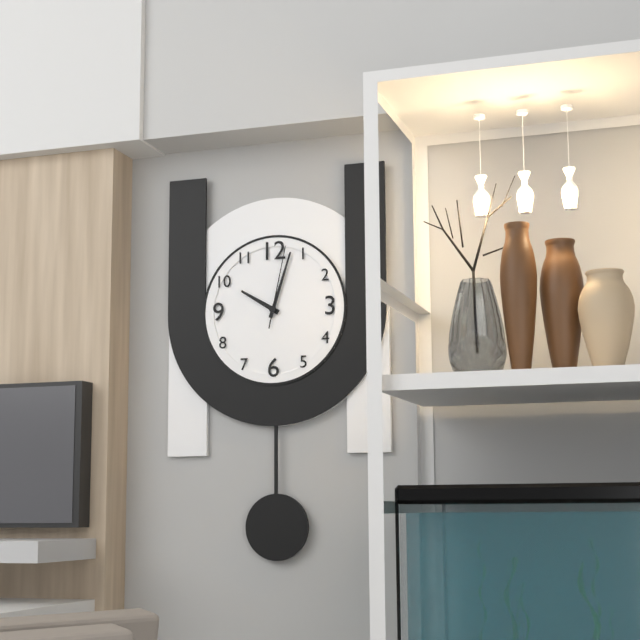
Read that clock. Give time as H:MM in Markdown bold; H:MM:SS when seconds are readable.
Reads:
**10:03:02**
